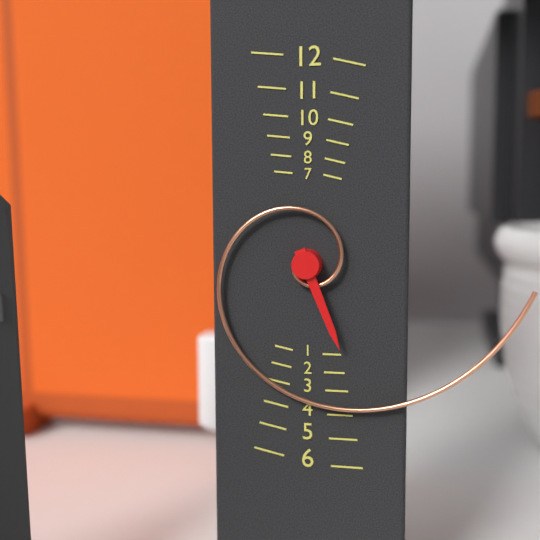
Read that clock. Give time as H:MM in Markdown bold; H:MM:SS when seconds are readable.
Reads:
**5:16**
